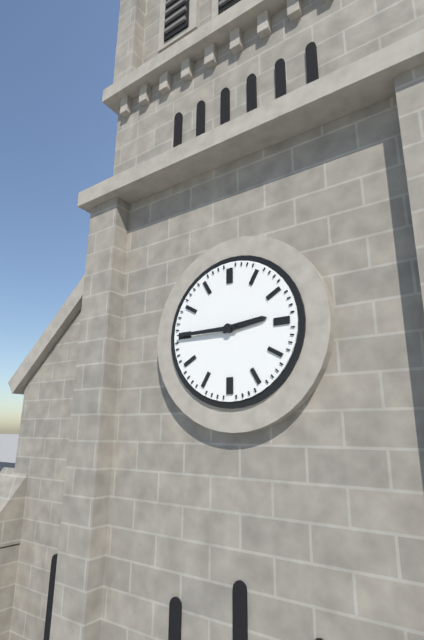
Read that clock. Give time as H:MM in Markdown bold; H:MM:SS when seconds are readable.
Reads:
**2:45**
